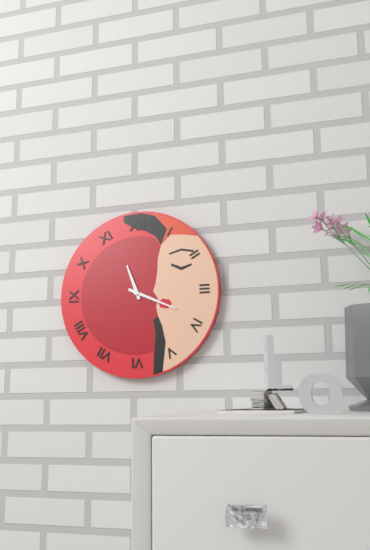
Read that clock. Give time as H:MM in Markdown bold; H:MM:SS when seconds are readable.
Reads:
**11:19**
